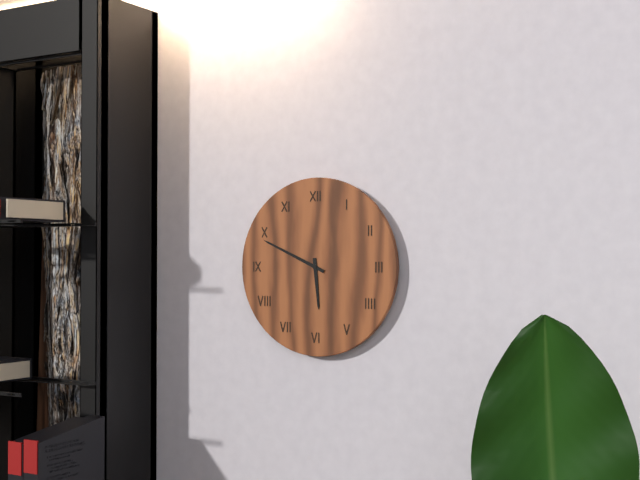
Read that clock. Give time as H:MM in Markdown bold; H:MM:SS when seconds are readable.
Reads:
**5:49**
